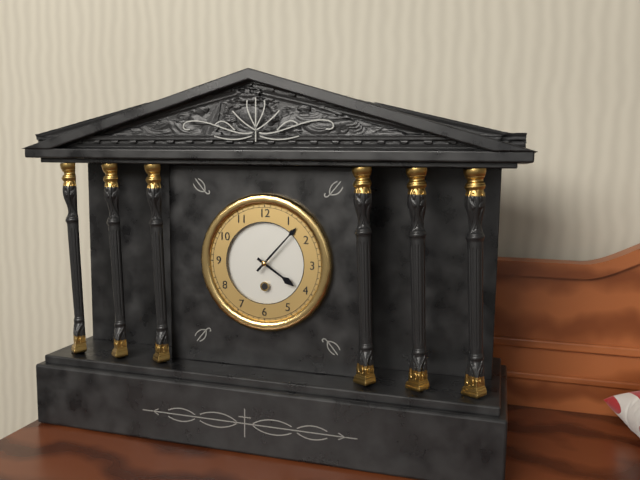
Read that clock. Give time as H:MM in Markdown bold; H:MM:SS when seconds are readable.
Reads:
**4:07**
